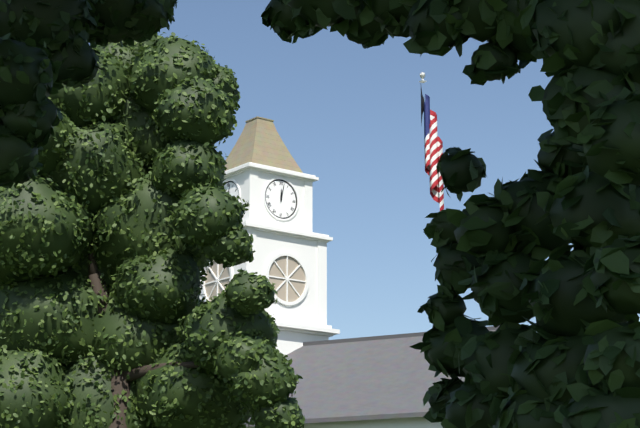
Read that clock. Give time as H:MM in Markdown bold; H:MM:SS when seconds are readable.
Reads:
**12:02**
